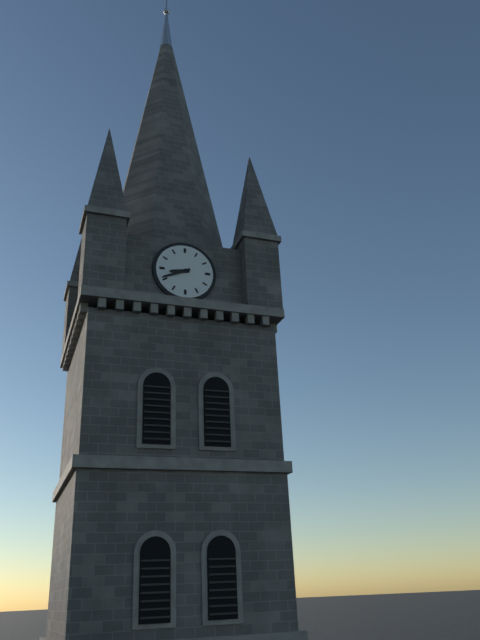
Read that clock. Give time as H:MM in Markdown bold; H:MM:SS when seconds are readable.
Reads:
**8:41**
